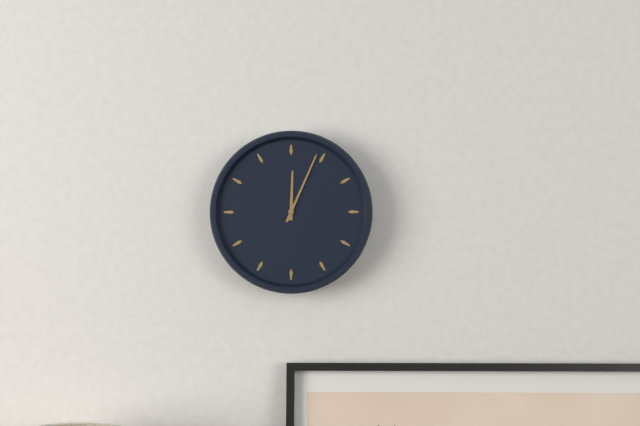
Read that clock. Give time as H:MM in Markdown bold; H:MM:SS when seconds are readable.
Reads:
**12:04**
